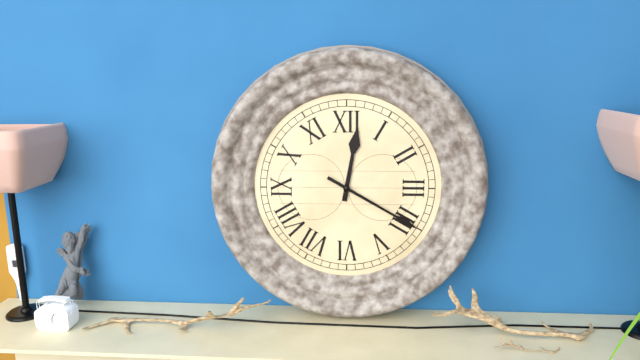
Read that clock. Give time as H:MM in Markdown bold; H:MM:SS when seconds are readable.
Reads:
**12:20**
